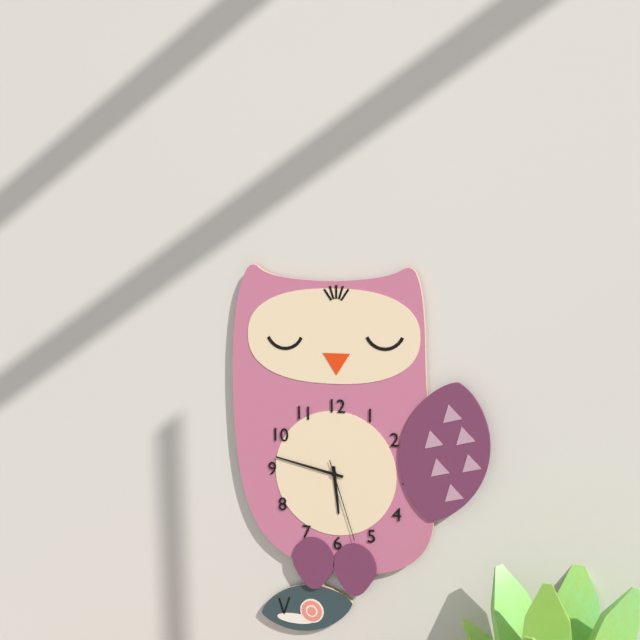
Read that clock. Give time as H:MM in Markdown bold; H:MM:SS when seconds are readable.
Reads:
**5:47:27**
